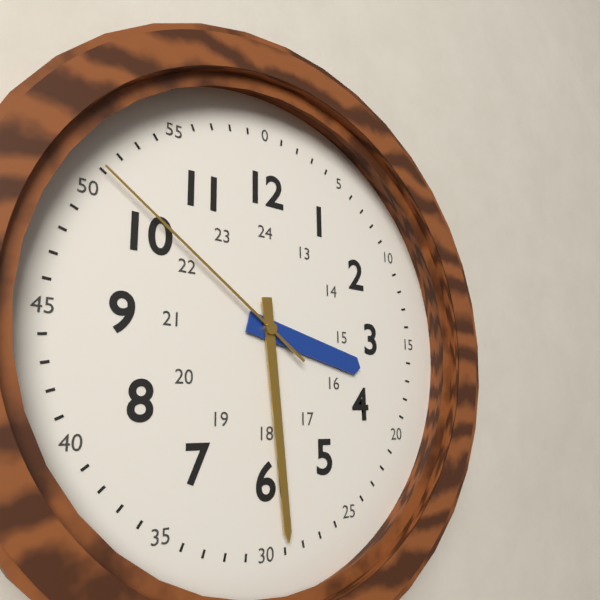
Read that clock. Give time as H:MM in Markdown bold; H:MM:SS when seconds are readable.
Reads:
**3:29:51**
